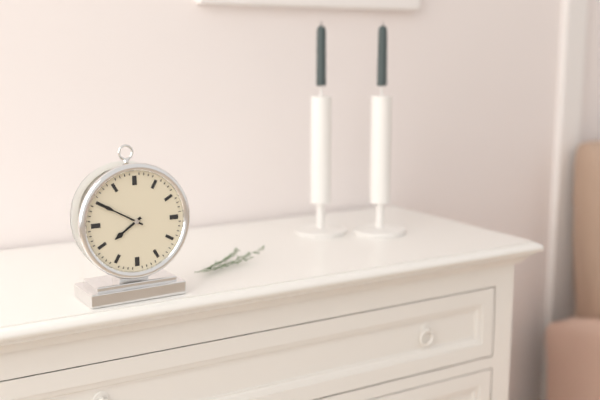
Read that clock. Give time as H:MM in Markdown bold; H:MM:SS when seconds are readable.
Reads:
**7:50**
